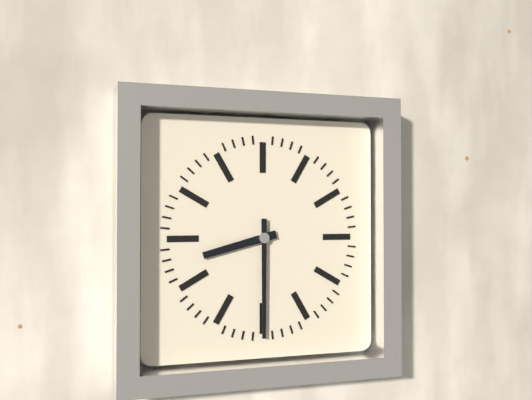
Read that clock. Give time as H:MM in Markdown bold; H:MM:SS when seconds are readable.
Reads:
**8:30**
